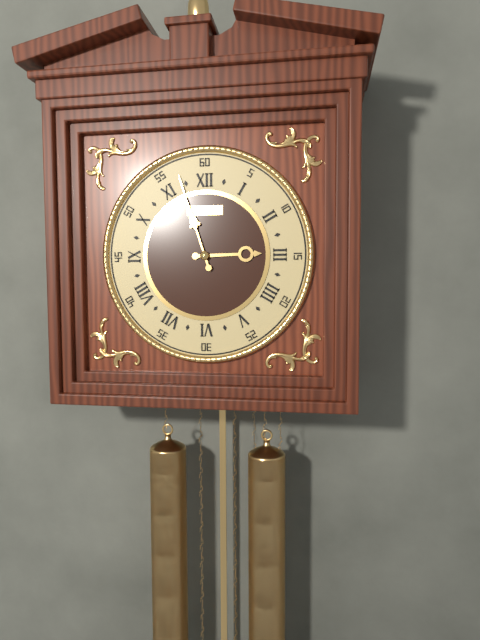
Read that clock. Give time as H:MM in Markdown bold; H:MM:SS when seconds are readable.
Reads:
**2:57**
